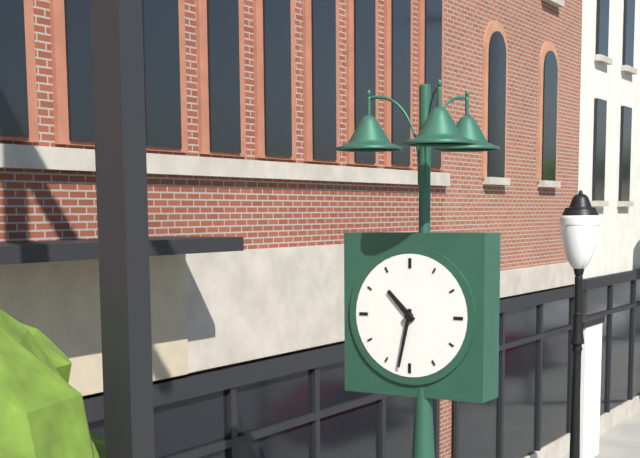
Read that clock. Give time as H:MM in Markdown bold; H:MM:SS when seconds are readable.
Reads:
**10:32**
